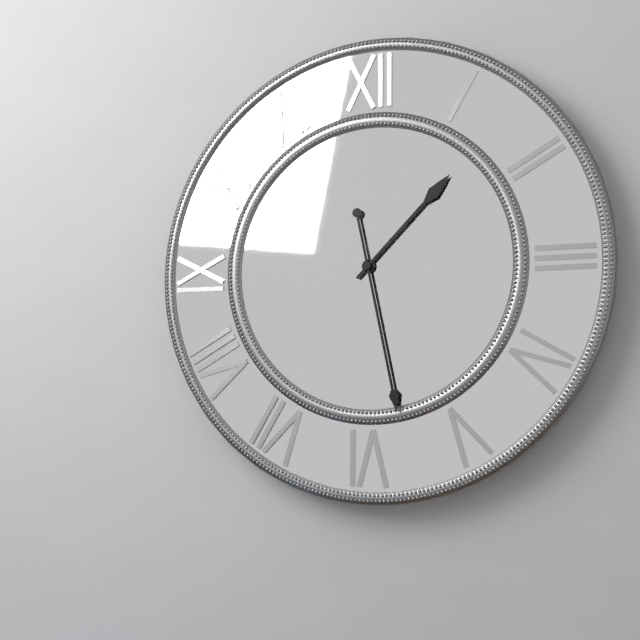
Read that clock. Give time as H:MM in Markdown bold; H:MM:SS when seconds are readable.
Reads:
**1:28**
